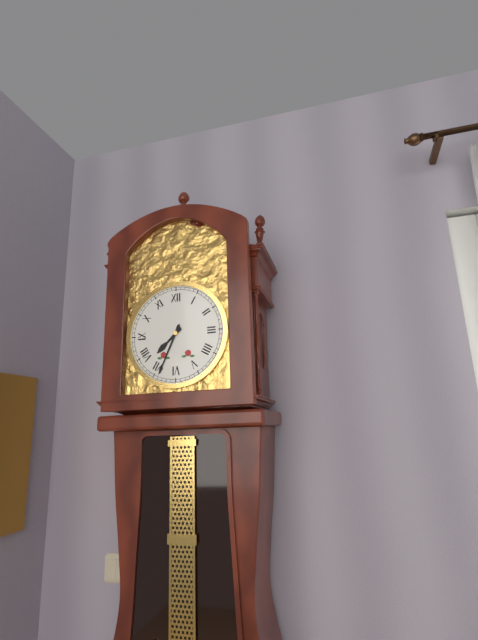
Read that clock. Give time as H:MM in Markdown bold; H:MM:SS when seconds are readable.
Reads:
**7:34**
